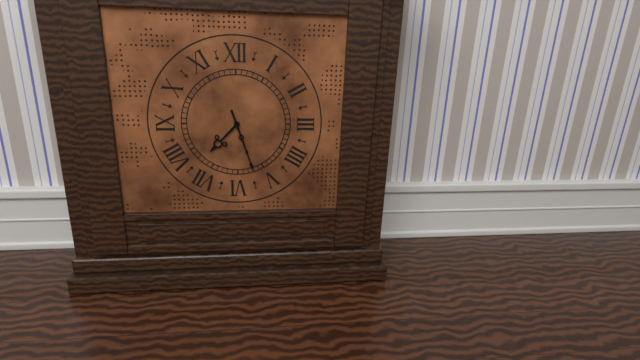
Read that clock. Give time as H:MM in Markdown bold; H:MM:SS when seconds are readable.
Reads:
**7:27:27**
